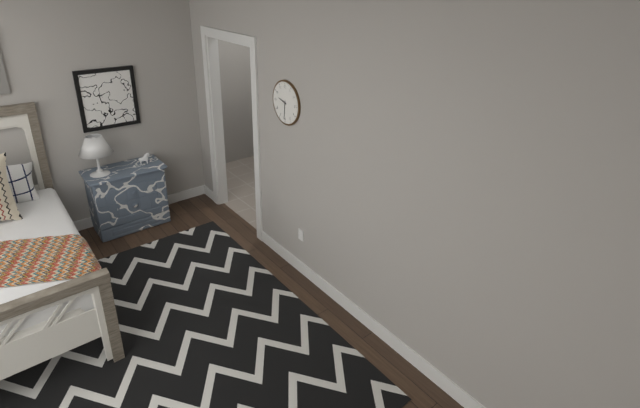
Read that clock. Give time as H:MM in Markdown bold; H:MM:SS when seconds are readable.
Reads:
**9:31**
